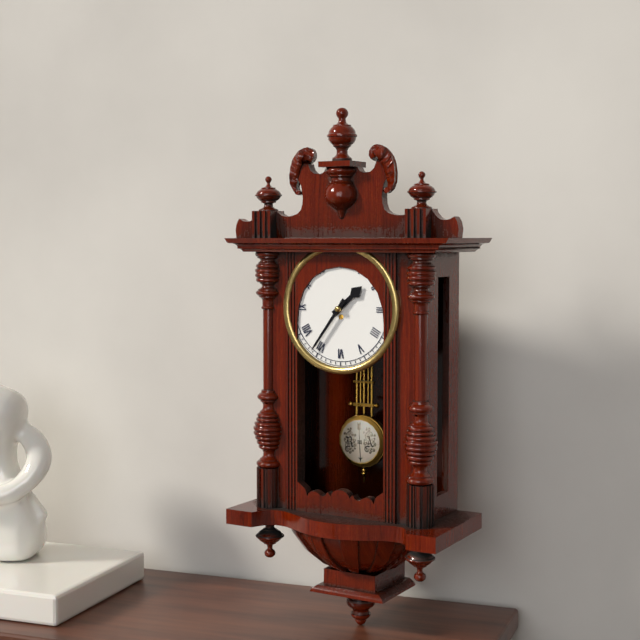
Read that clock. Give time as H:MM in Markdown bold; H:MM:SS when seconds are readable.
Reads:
**1:36**
